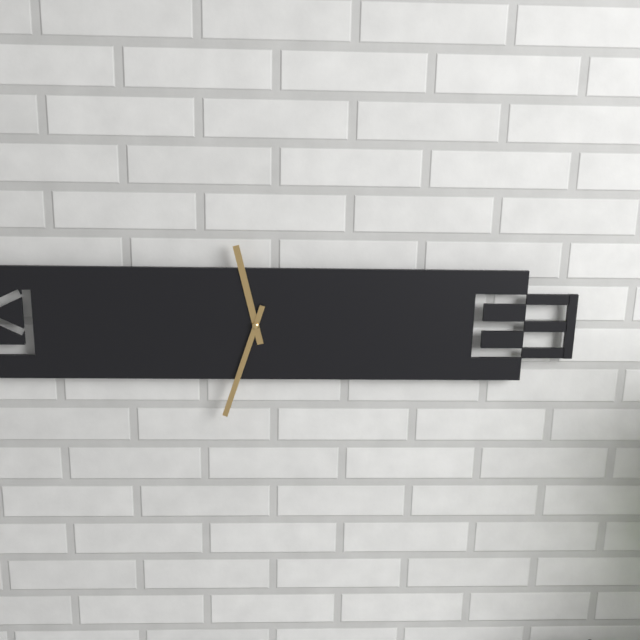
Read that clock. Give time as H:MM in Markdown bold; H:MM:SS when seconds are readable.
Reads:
**11:33**
